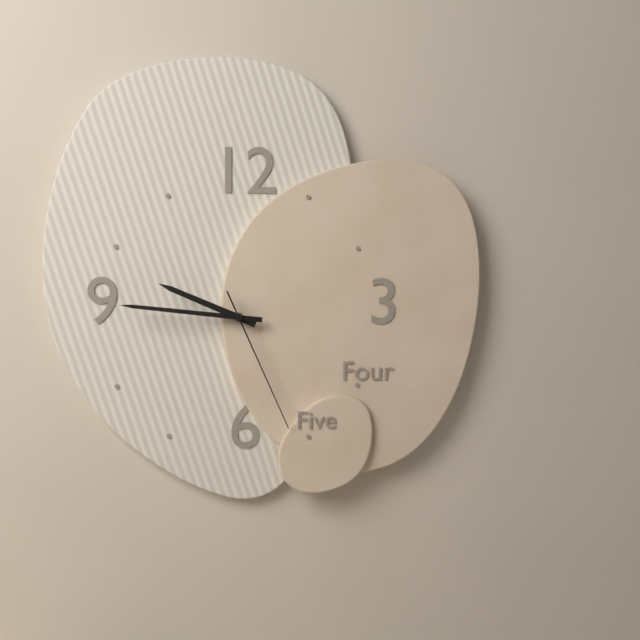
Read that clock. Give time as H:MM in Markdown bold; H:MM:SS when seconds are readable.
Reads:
**9:46:26**
